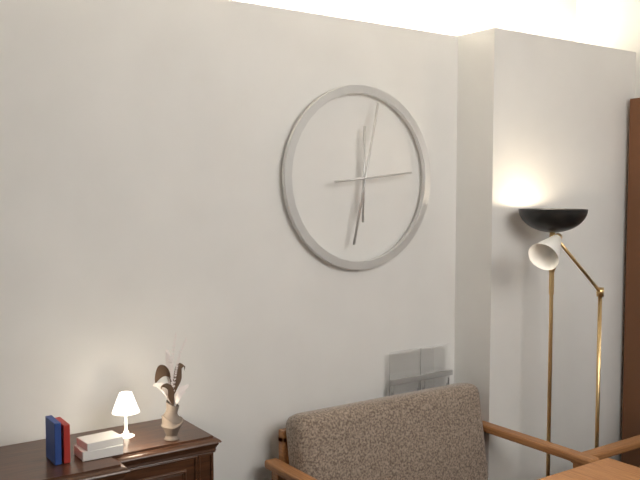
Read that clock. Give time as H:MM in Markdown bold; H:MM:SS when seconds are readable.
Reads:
**12:02:14**
